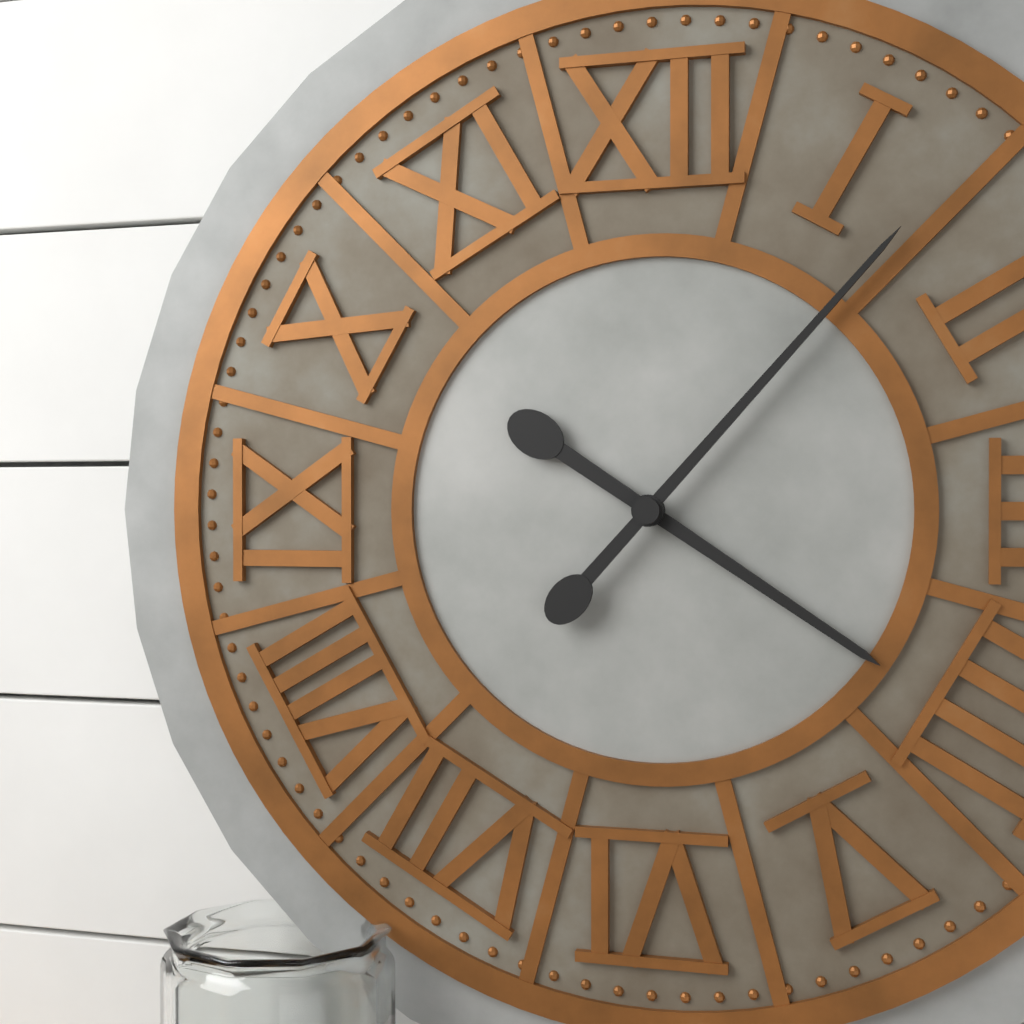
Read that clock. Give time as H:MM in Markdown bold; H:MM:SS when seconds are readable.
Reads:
**4:07**
